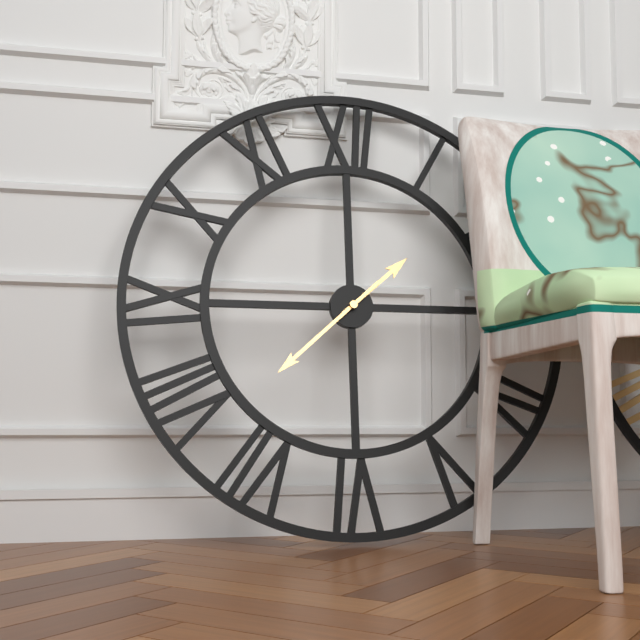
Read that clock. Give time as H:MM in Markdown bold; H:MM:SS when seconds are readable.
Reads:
**1:38**
